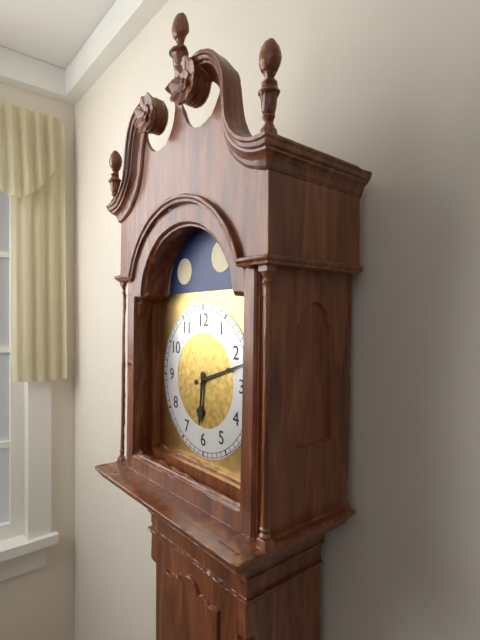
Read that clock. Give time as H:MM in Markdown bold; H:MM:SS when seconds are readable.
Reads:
**6:12**
